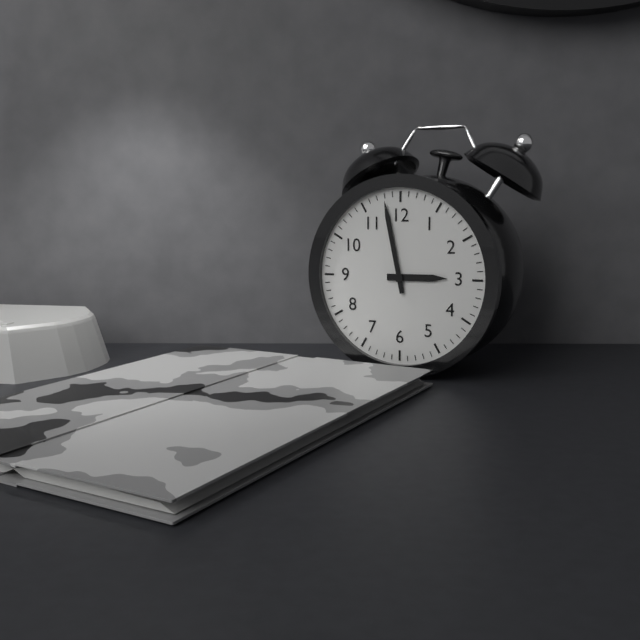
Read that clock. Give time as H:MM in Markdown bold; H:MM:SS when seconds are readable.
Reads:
**2:58**
